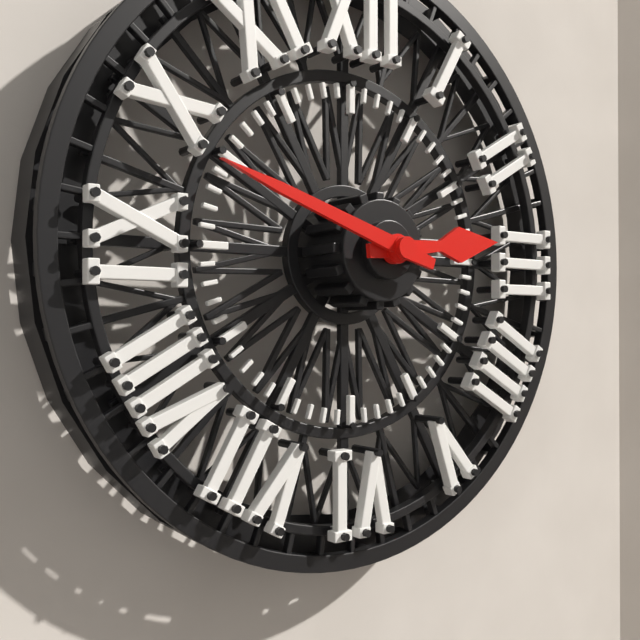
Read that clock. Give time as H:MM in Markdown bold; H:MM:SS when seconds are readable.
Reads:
**2:48**
